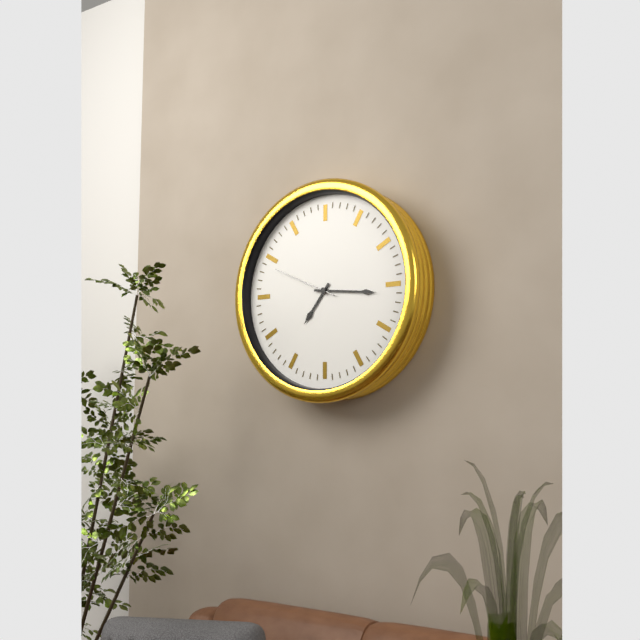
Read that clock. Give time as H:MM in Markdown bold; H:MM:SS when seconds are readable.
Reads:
**7:16:49**
